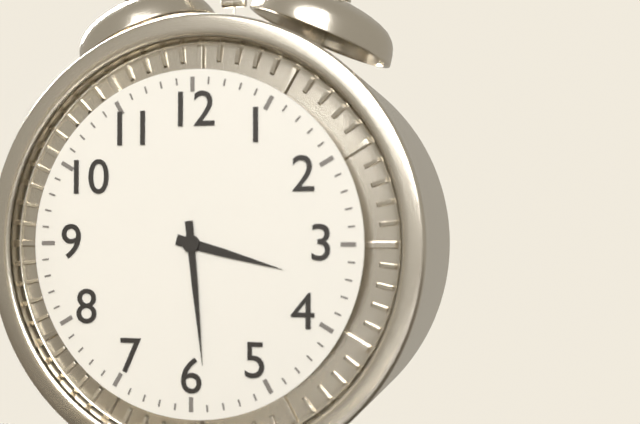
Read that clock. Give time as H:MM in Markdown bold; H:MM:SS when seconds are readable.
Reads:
**3:29**
